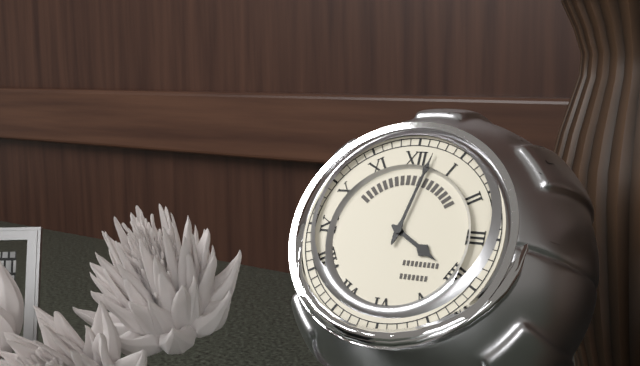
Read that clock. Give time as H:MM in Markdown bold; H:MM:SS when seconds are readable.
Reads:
**4:02**
